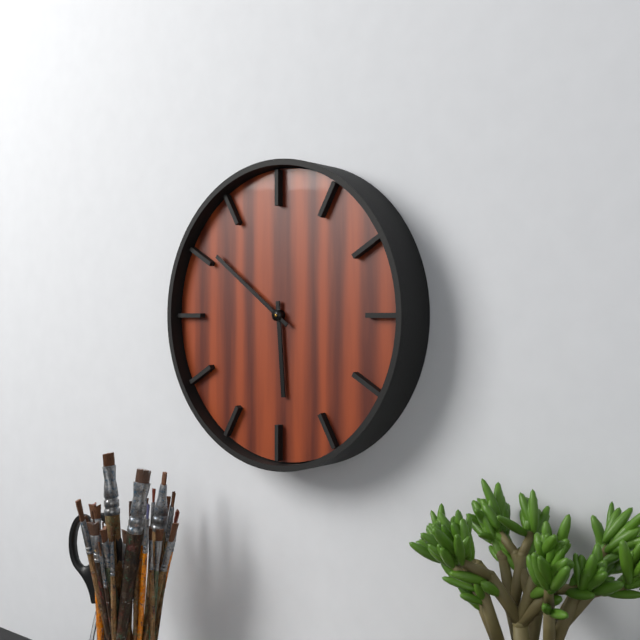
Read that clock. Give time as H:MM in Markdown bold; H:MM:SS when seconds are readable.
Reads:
**5:51**
